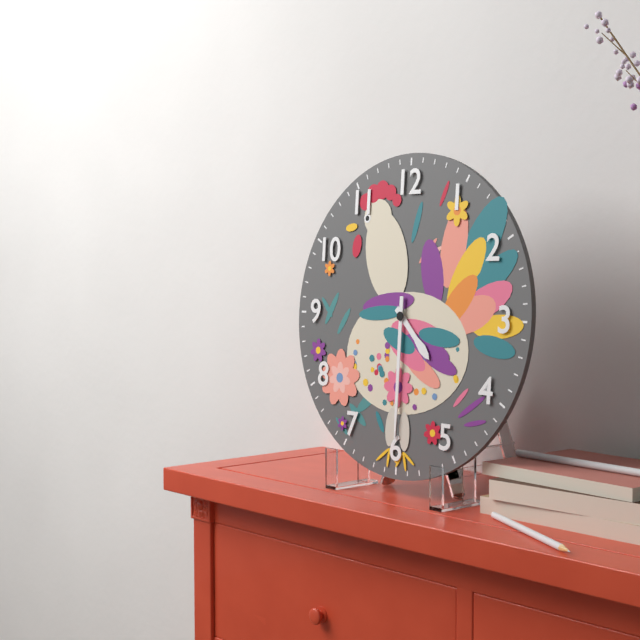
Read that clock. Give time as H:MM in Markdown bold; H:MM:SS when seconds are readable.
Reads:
**4:30**
